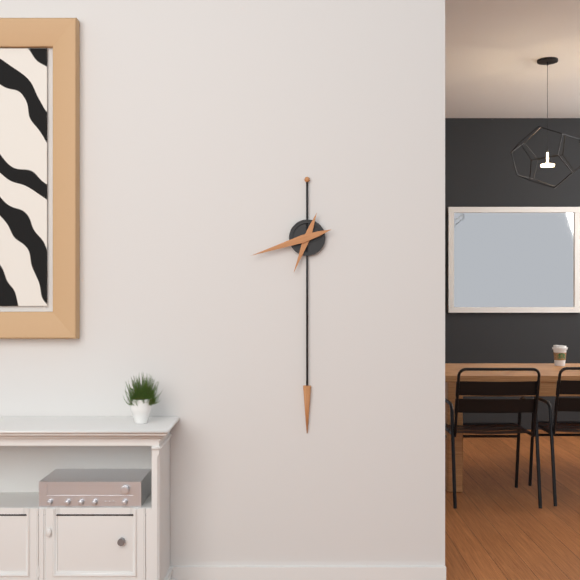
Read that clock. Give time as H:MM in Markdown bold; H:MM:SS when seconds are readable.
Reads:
**6:42**
